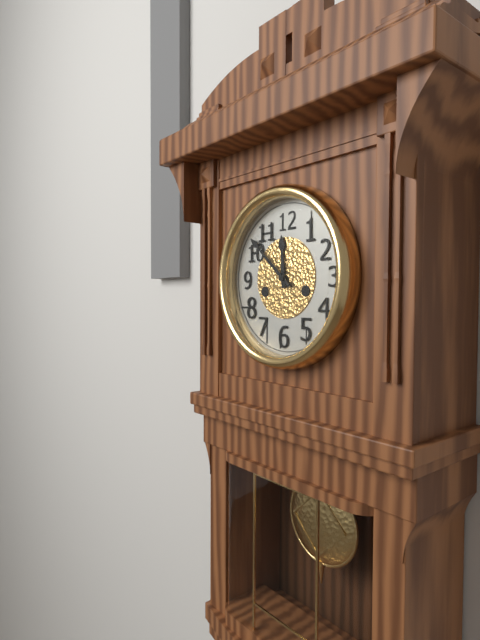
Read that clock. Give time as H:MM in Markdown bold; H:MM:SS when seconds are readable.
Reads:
**11:52**
